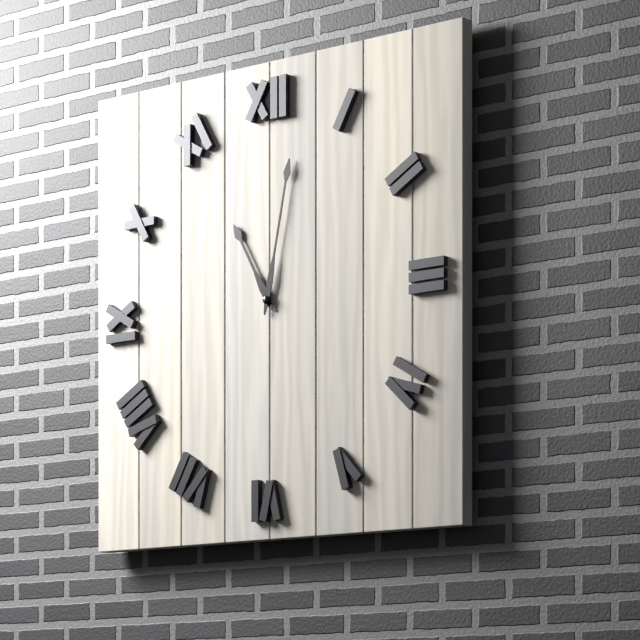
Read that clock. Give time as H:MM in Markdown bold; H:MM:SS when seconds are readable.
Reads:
**11:02**
